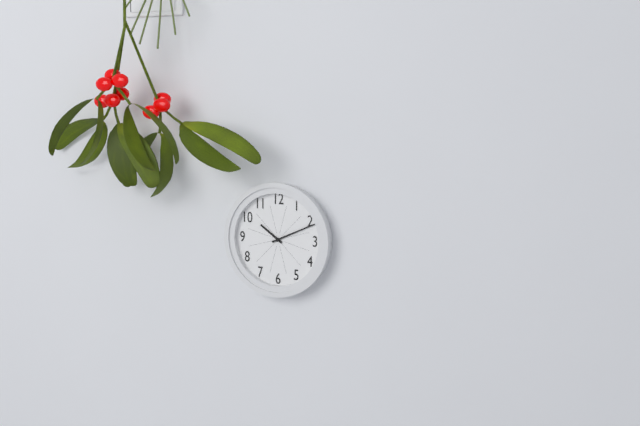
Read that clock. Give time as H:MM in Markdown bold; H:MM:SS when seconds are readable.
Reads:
**10:11**
